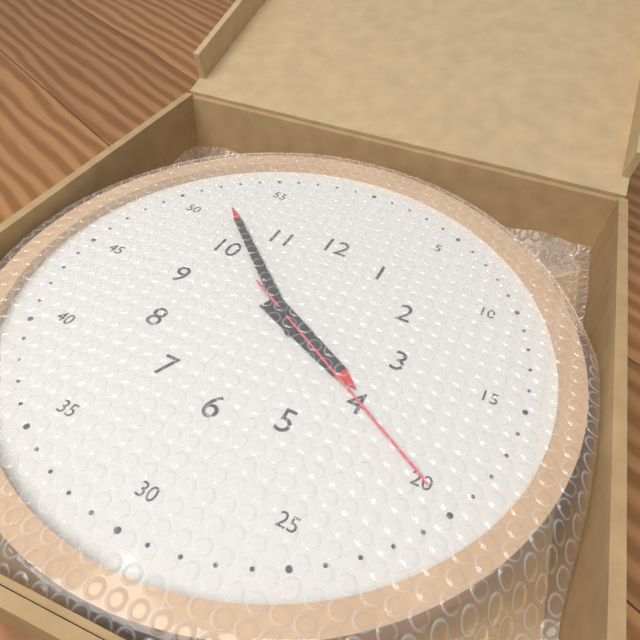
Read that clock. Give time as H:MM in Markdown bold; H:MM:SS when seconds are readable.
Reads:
**3:52:20**
